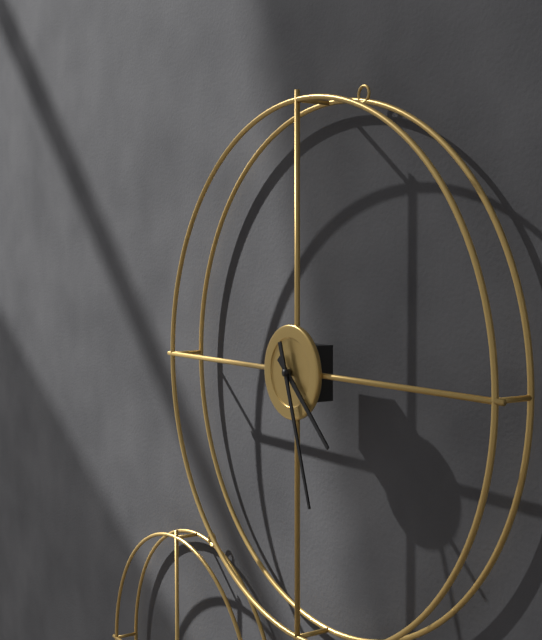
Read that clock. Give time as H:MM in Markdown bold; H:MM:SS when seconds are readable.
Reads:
**4:27**
